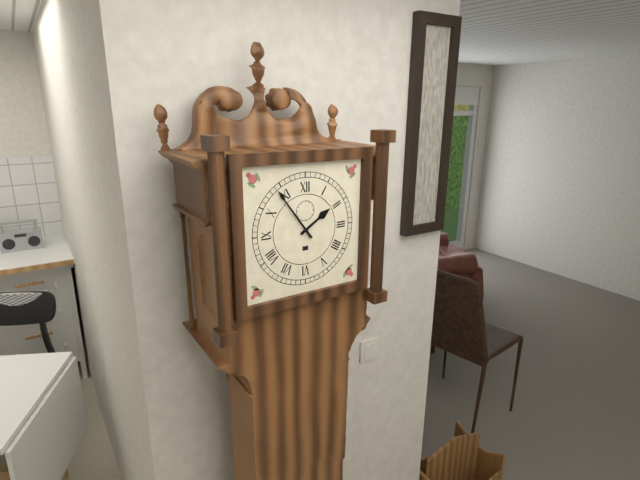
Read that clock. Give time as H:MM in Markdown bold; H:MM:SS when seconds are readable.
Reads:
**1:54**
